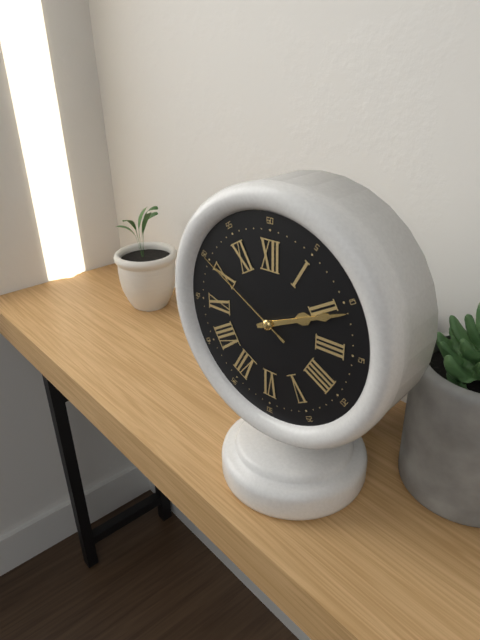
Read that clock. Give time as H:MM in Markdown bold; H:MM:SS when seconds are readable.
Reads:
**2:11:50**
